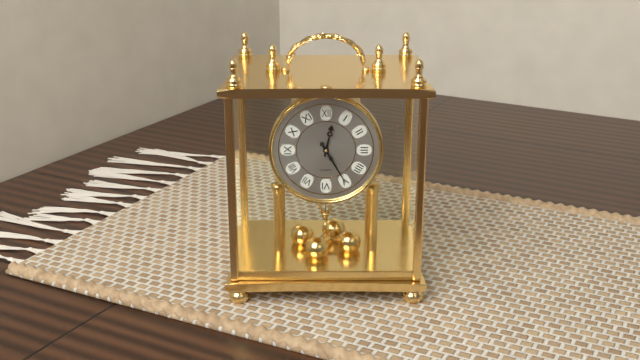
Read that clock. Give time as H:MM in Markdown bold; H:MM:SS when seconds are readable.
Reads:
**12:25**
